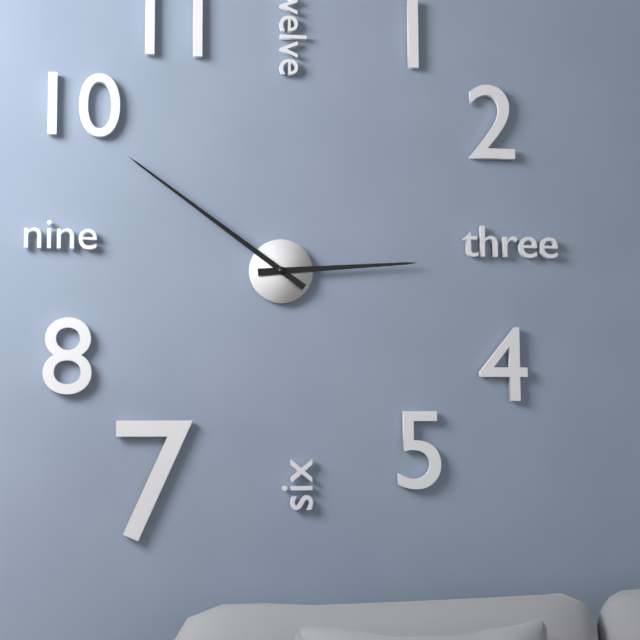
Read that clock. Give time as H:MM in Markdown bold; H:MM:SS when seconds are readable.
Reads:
**2:51**
